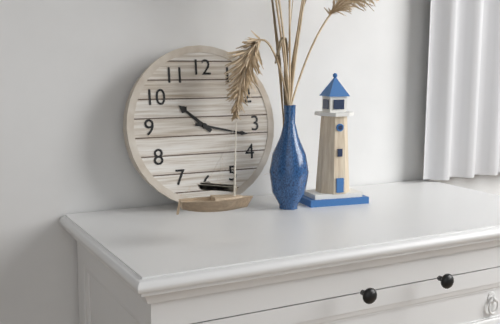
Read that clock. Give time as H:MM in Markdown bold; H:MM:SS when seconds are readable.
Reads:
**10:17**
